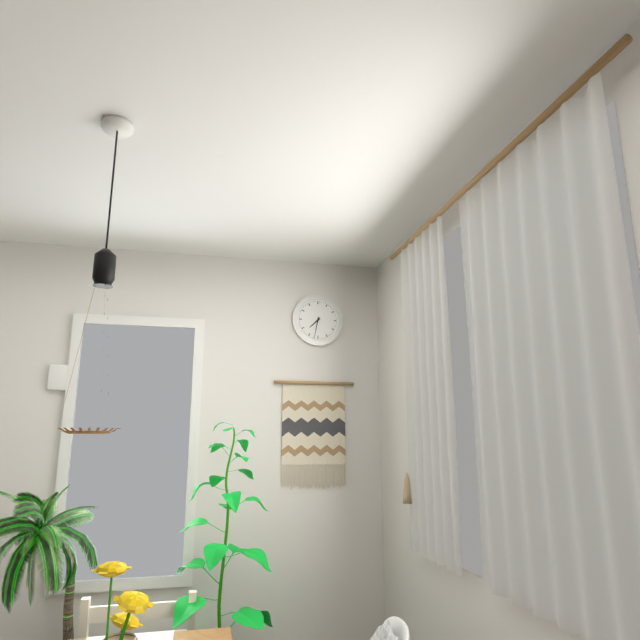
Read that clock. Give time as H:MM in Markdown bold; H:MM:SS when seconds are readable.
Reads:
**7:32**
